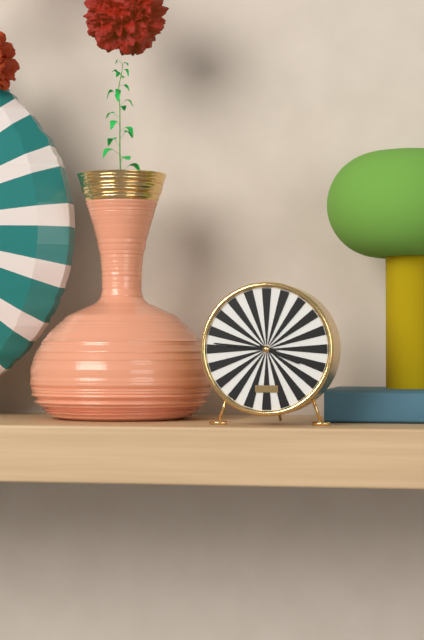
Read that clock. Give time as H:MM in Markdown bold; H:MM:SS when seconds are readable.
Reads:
**3:46**
